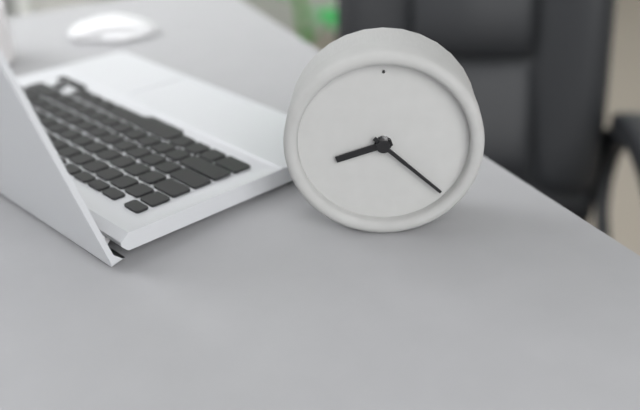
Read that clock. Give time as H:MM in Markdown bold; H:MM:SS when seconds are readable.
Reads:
**8:22**
